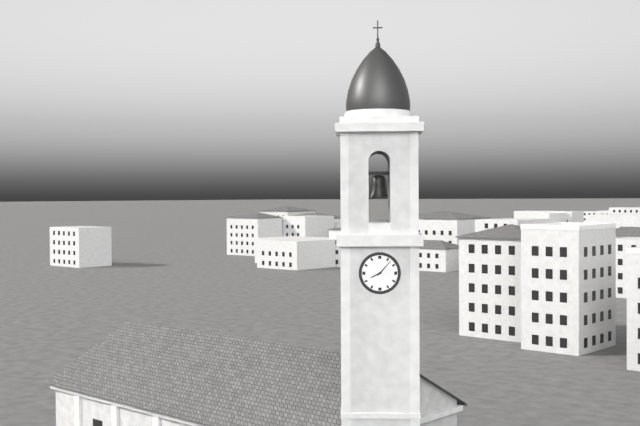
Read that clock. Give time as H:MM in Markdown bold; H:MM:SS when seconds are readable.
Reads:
**8:07**
